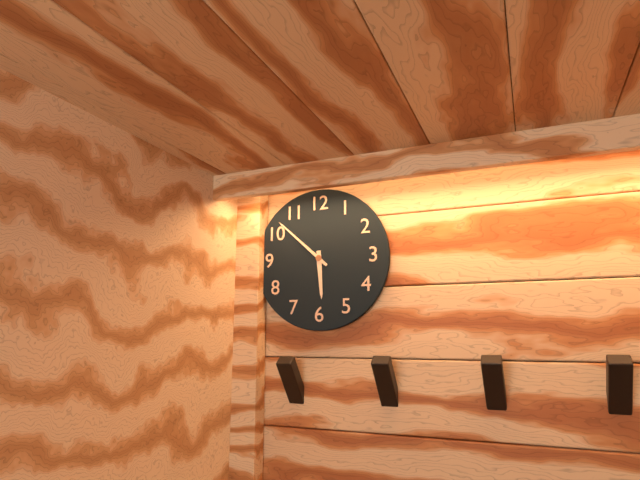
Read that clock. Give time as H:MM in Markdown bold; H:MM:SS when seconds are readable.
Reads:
**5:52**
